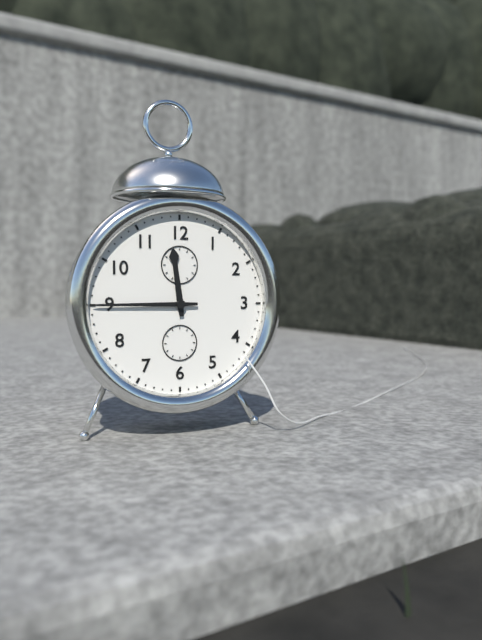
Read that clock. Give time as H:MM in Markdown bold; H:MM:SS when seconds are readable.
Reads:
**11:45**
